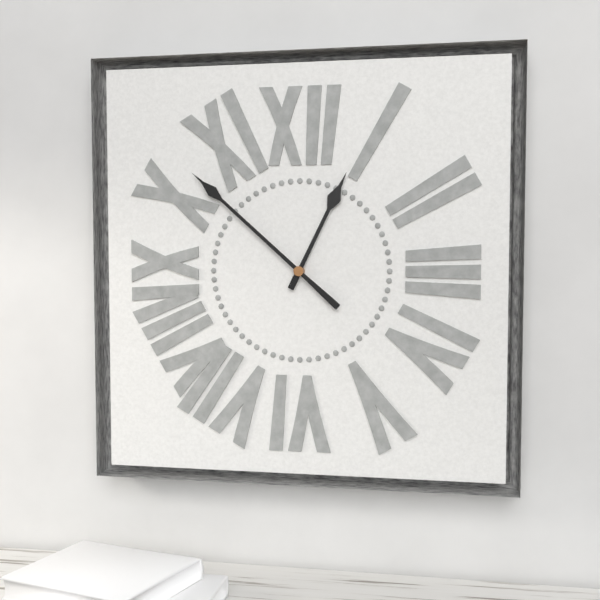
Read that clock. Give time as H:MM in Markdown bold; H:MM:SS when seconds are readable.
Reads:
**12:52**
